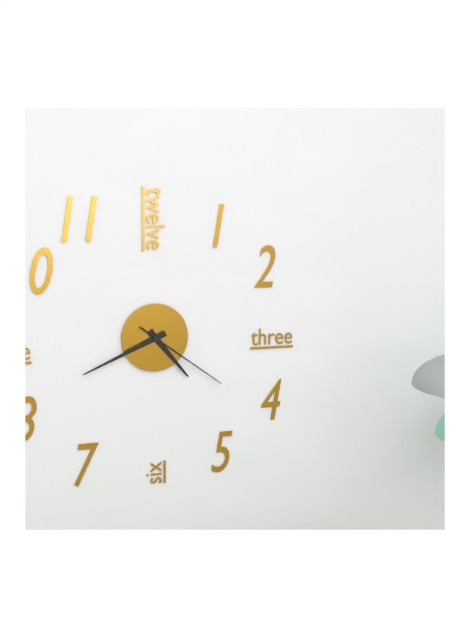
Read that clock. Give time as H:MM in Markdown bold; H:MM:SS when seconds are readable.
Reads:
**4:41:21**
